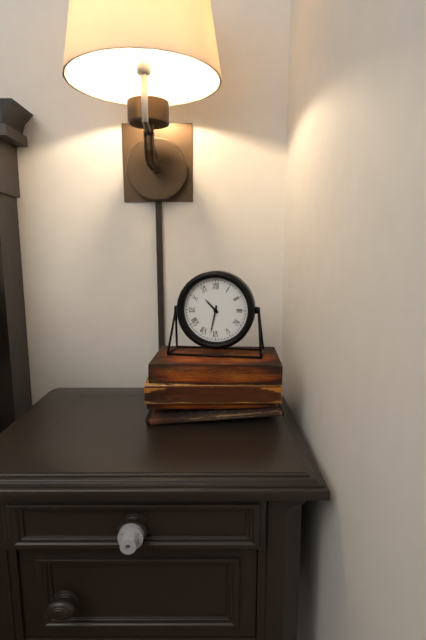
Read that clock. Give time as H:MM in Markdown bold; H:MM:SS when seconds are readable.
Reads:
**10:32**
